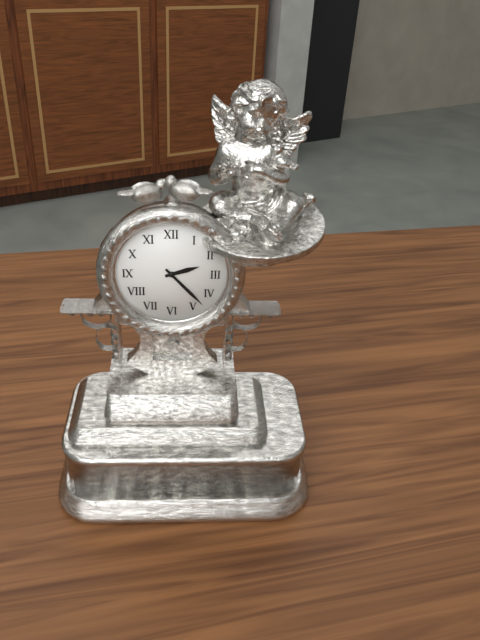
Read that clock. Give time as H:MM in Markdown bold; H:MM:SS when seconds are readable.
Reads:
**2:23**
